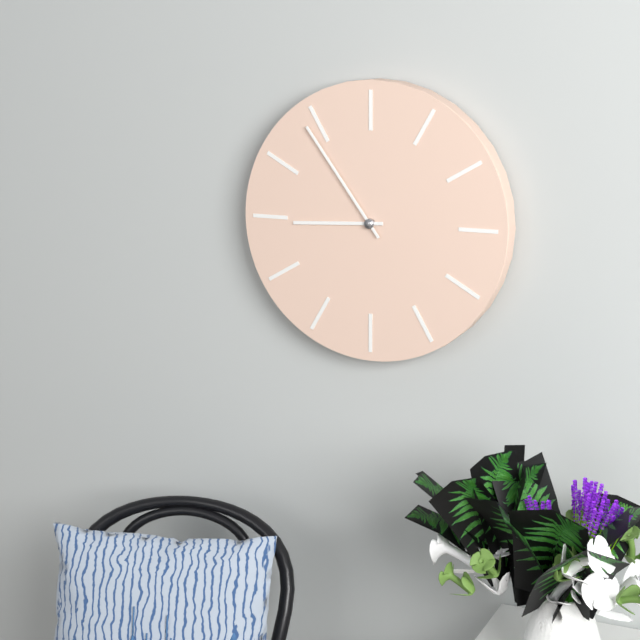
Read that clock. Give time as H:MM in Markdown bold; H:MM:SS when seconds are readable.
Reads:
**8:54**
